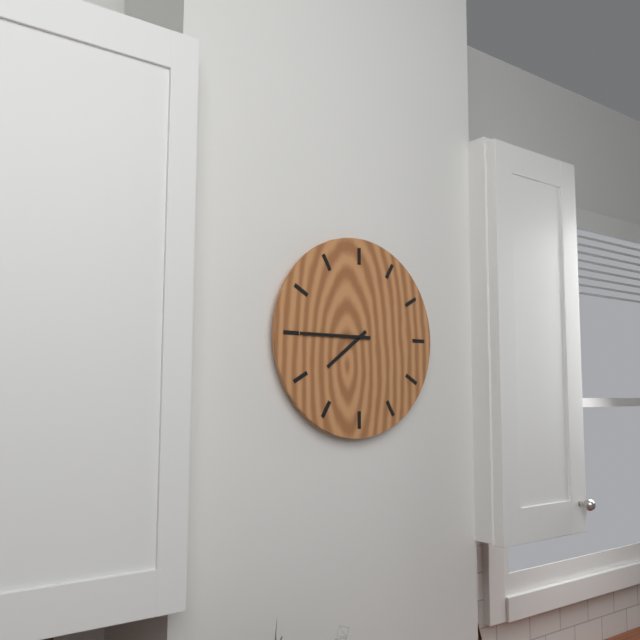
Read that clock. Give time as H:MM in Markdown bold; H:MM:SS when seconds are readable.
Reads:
**7:45**
